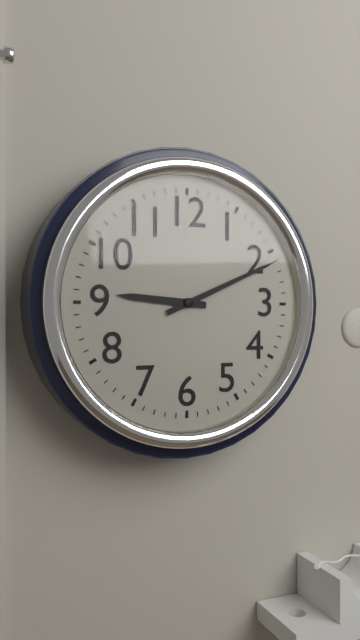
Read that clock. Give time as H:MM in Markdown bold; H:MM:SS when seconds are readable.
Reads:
**9:11**
